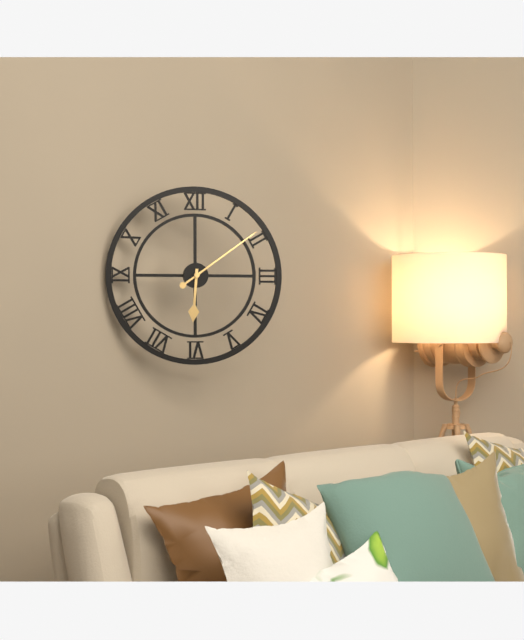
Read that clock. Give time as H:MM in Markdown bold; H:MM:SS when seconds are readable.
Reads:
**6:09**
